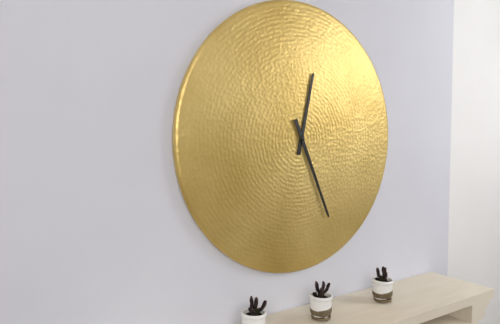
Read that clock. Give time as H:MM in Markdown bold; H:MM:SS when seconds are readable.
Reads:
**12:26**
